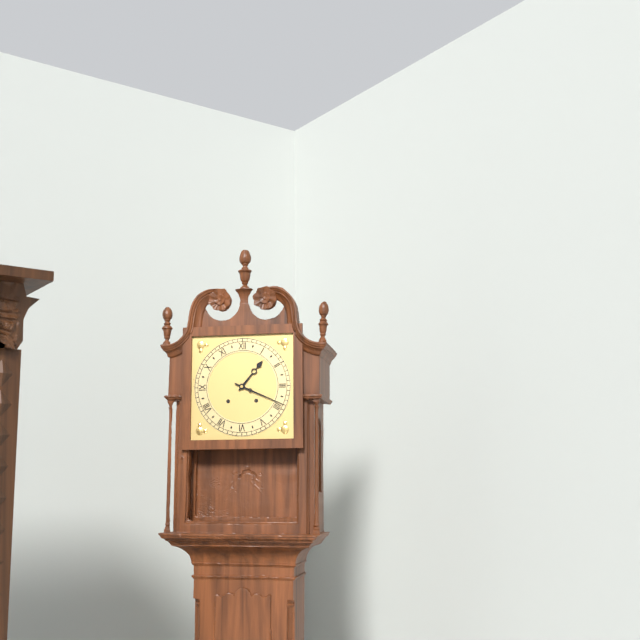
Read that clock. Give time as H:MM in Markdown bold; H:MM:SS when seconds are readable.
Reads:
**1:19**
